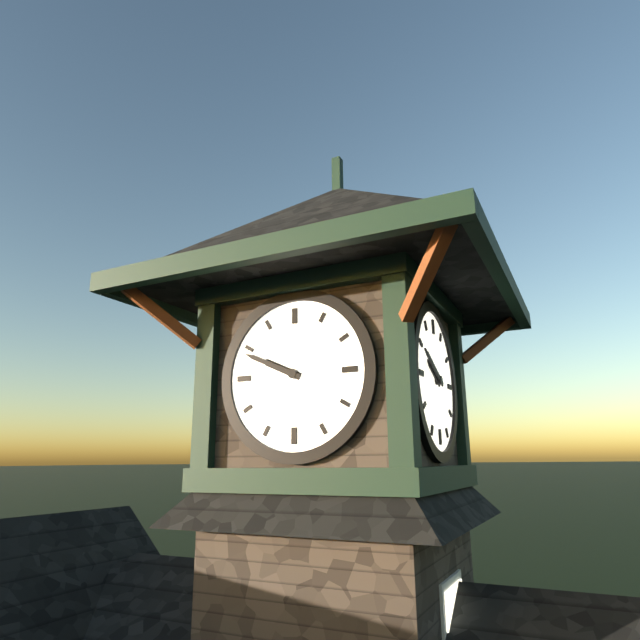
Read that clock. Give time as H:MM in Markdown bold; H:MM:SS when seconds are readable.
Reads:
**9:49**
